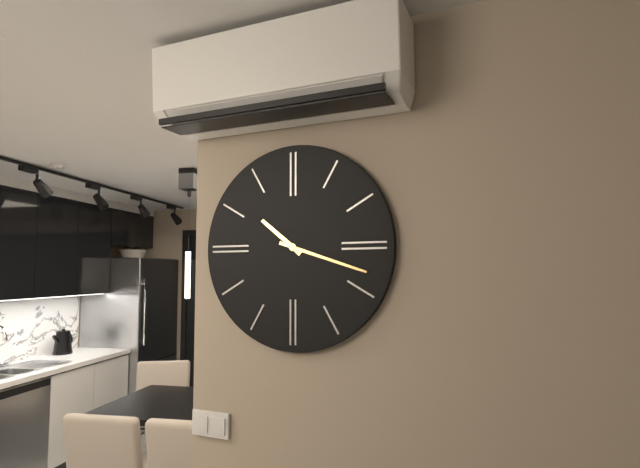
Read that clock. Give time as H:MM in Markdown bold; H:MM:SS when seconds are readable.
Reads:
**10:18**
